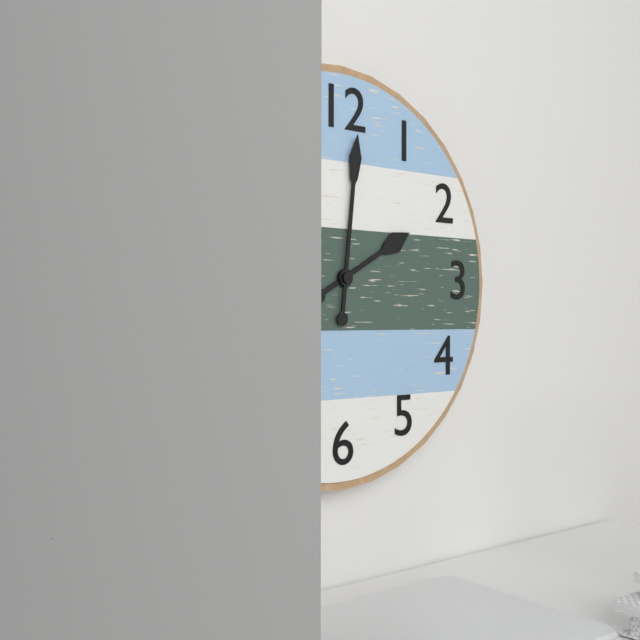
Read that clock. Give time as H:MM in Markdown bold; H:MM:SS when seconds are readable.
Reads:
**2:01**
